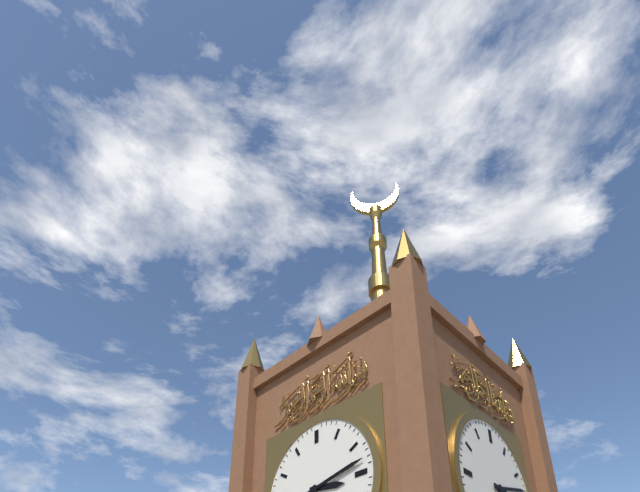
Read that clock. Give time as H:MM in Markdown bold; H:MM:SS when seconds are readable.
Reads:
**3:13**
